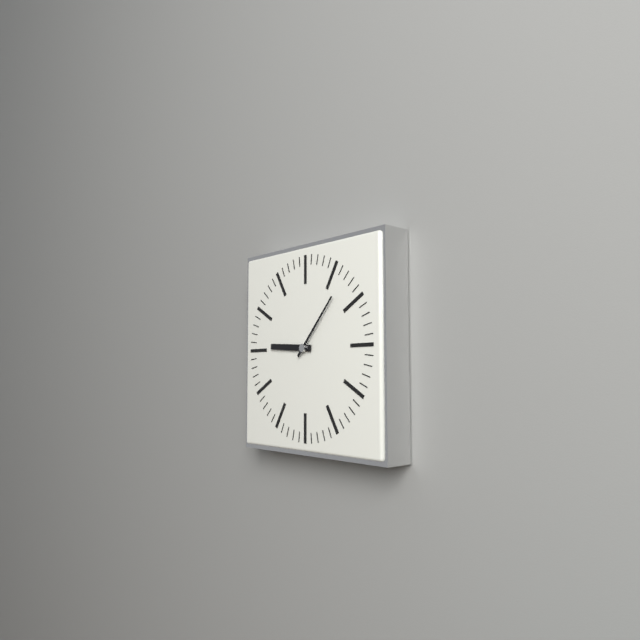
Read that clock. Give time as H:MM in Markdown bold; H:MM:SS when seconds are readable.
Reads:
**9:07**
